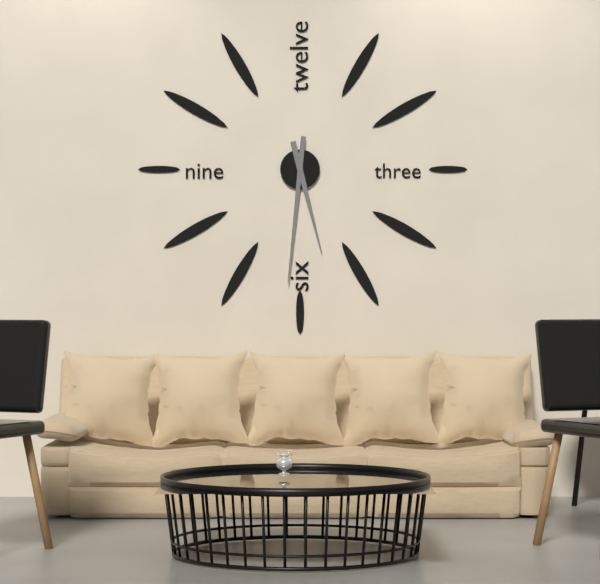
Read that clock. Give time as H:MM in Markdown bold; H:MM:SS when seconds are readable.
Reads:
**5:31**
